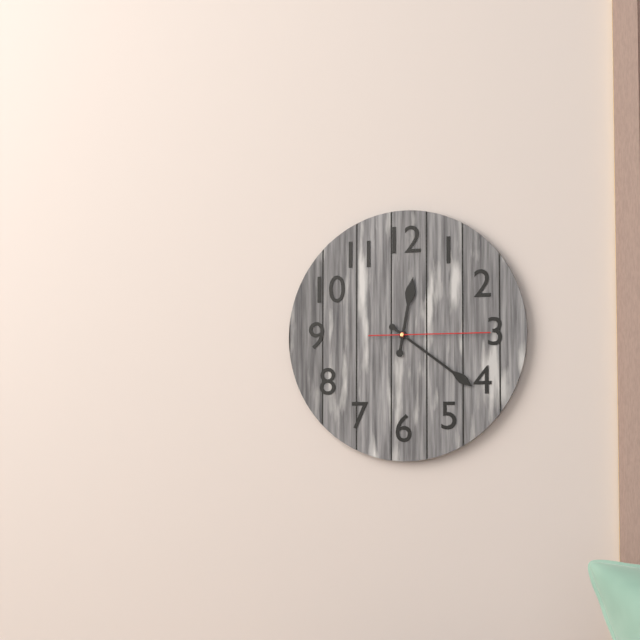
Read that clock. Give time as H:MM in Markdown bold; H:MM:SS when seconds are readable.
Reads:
**12:21:15**
